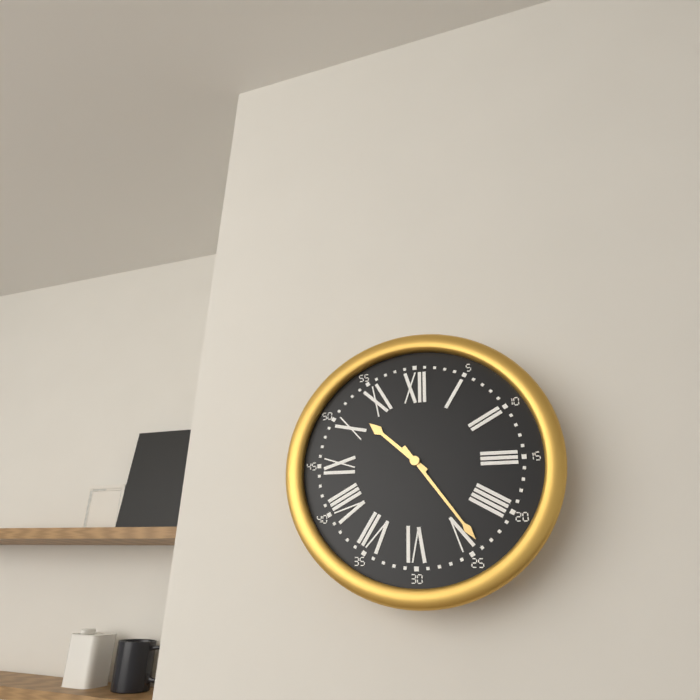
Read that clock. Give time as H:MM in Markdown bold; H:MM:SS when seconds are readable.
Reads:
**10:24**
